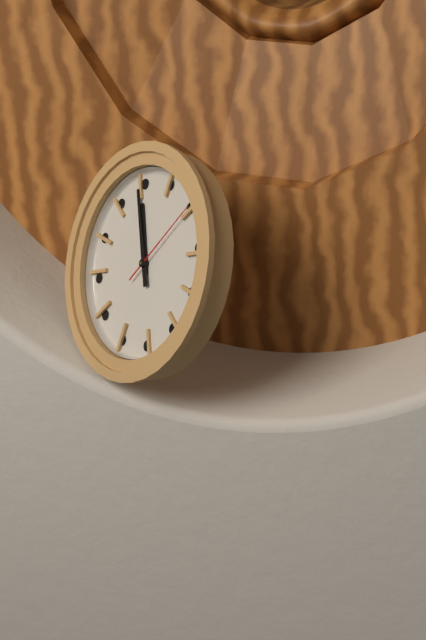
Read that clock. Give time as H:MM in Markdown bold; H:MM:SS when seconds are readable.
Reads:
**10:54:05**
